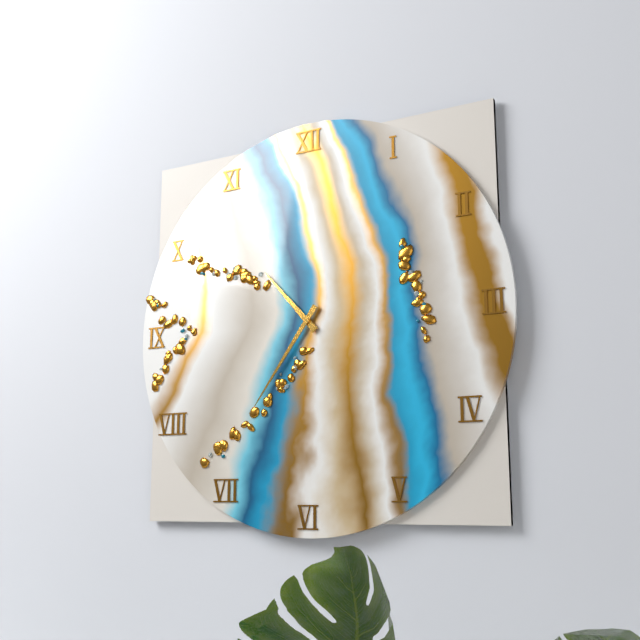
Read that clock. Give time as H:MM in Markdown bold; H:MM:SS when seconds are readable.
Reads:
**10:36**
